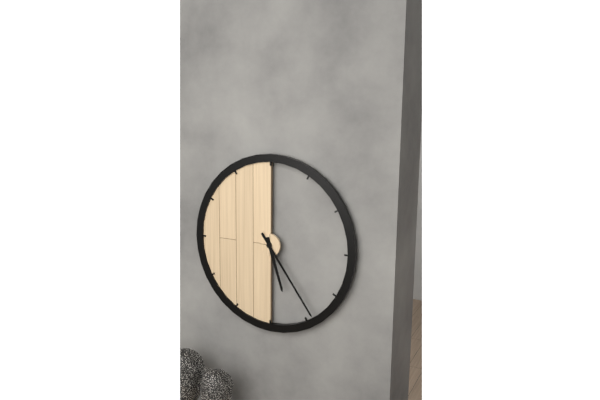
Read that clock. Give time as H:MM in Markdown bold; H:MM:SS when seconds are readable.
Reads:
**5:24**
